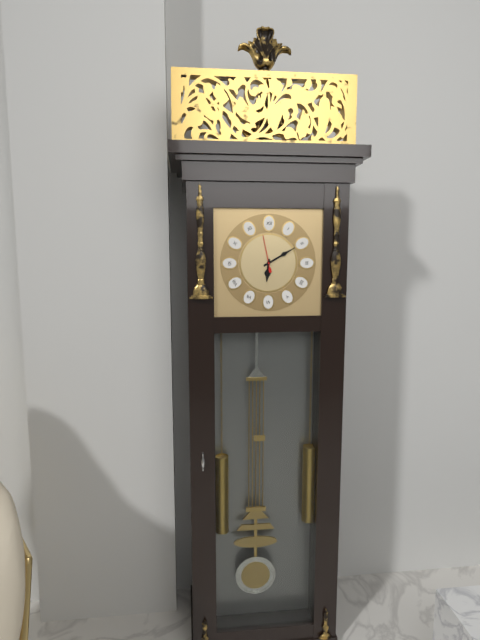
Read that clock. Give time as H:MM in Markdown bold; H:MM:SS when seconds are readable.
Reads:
**6:10**
